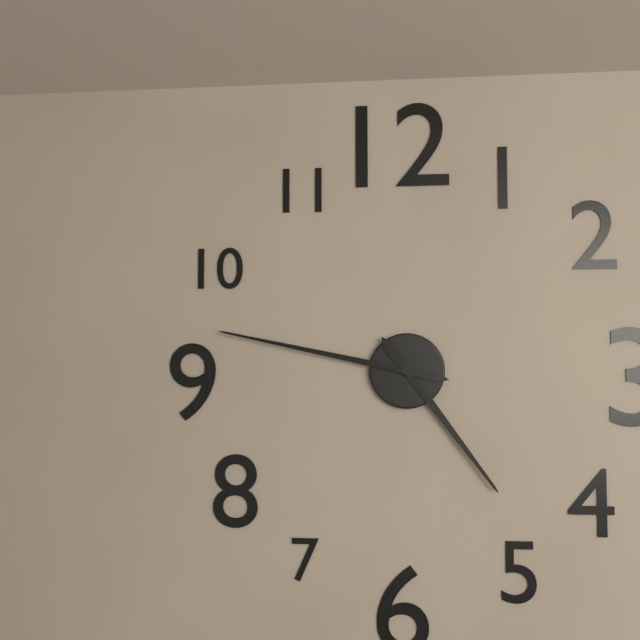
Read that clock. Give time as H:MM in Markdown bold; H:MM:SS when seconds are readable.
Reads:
**4:47**
